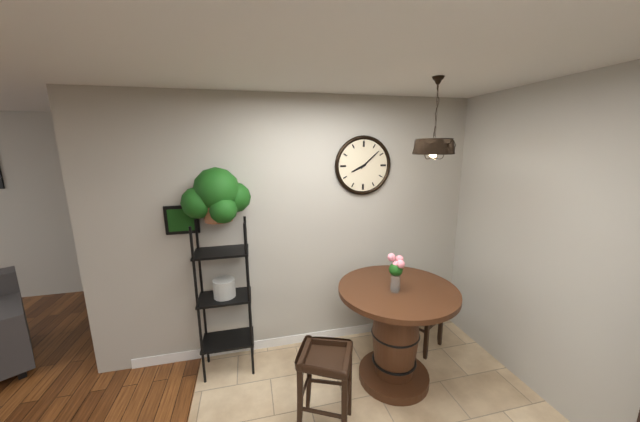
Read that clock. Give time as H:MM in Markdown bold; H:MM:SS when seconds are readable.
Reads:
**8:08**
